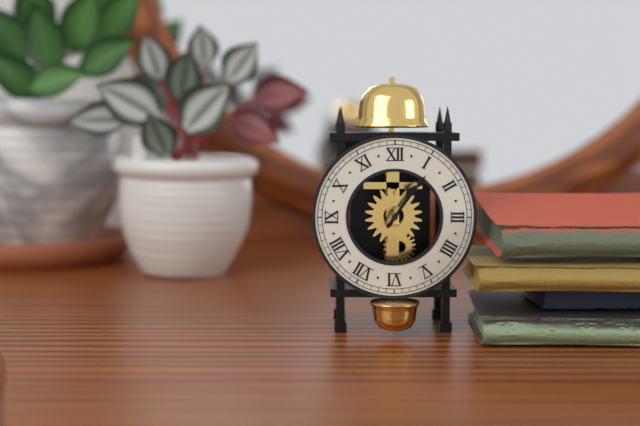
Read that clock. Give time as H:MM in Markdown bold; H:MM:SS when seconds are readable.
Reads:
**1:06**
